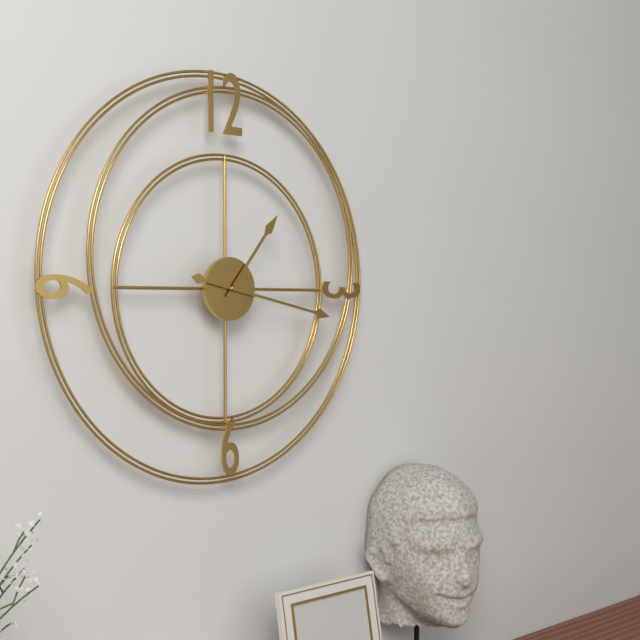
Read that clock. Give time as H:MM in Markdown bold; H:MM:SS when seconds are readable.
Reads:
**1:17**
